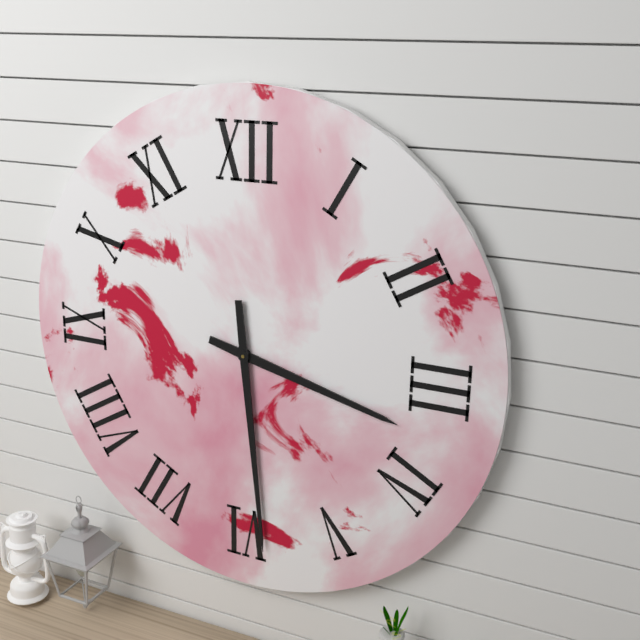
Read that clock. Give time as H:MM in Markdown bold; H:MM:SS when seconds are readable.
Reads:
**3:29**
